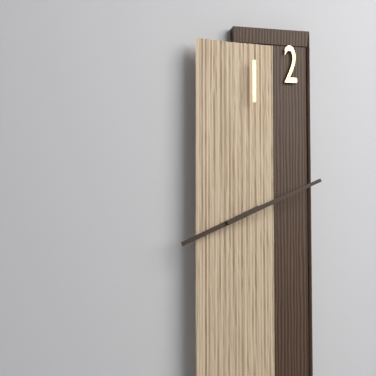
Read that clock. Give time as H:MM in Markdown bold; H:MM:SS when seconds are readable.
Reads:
**8:11**
